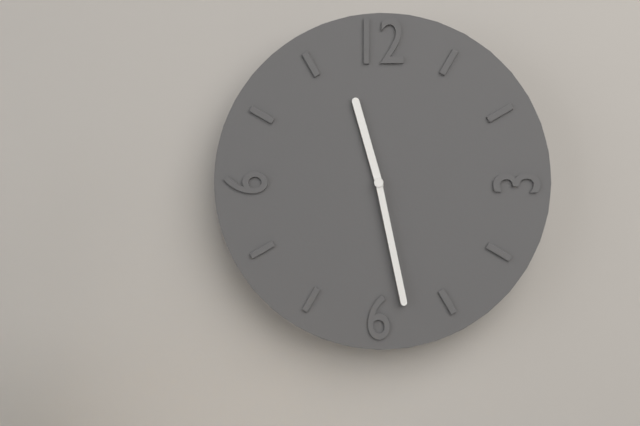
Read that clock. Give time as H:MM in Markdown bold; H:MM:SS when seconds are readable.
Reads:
**11:28**
